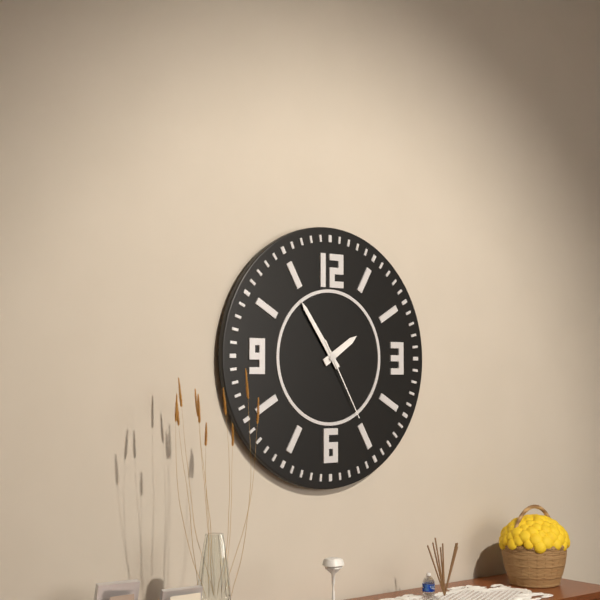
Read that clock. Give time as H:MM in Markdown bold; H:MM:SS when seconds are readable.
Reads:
**1:54:25**
